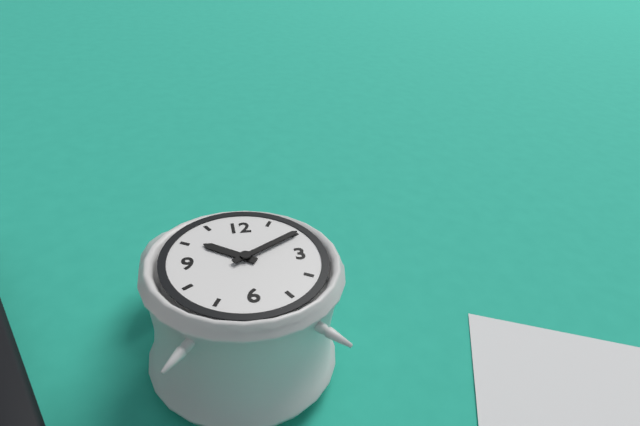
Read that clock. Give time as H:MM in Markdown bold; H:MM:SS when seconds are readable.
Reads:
**10:10**
